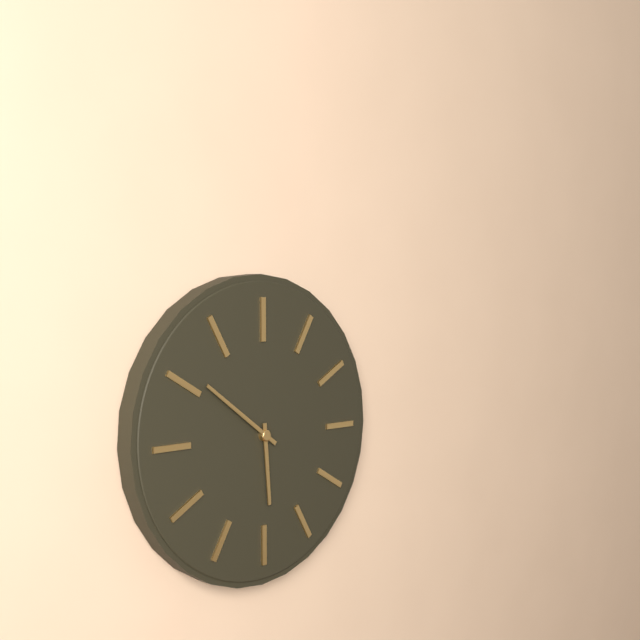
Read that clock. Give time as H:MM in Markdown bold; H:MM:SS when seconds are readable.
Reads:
**5:51**
